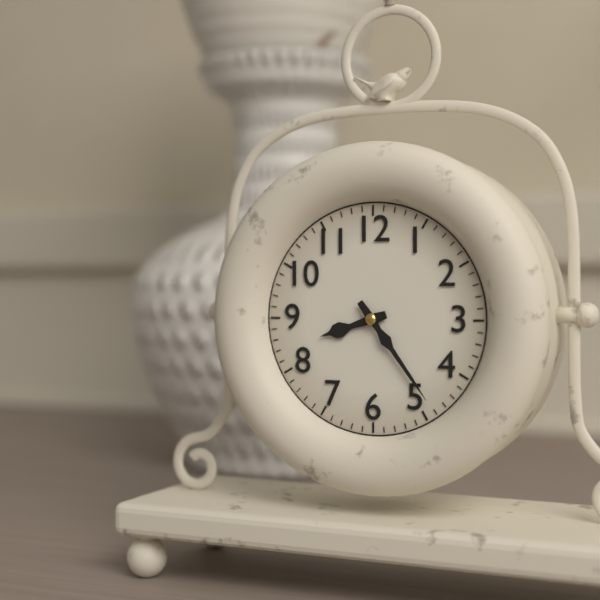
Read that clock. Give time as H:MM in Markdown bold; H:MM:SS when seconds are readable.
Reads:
**8:24**
